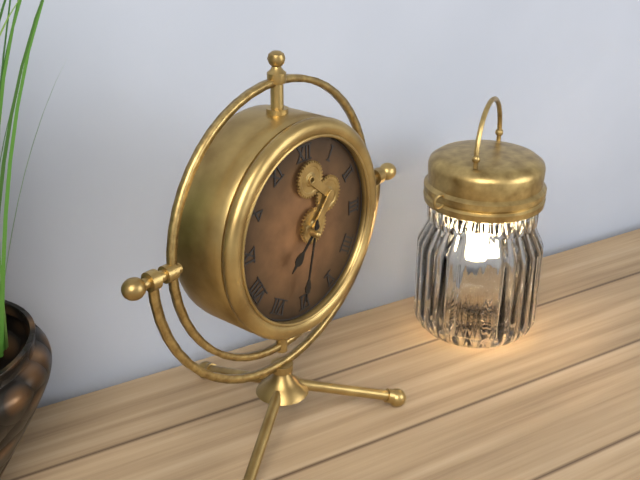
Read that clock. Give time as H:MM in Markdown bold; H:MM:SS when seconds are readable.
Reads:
**7:32**
